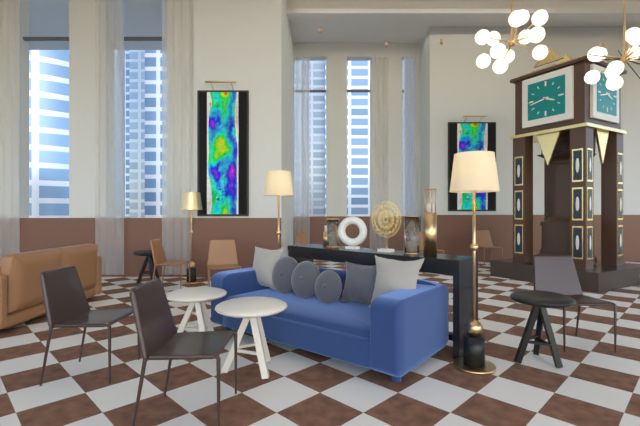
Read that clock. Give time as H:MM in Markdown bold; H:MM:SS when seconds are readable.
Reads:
**3:43**
